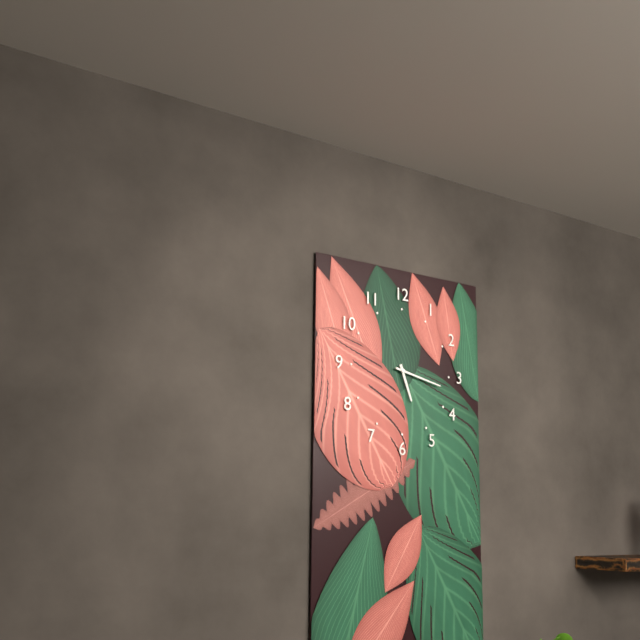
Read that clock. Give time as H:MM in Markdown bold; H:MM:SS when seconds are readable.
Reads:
**5:17**
